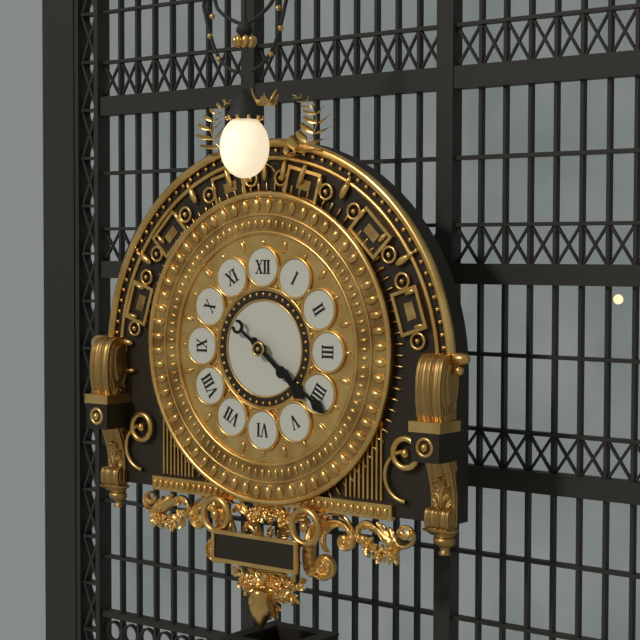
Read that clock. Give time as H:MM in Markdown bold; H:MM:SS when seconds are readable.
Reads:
**4:21**
